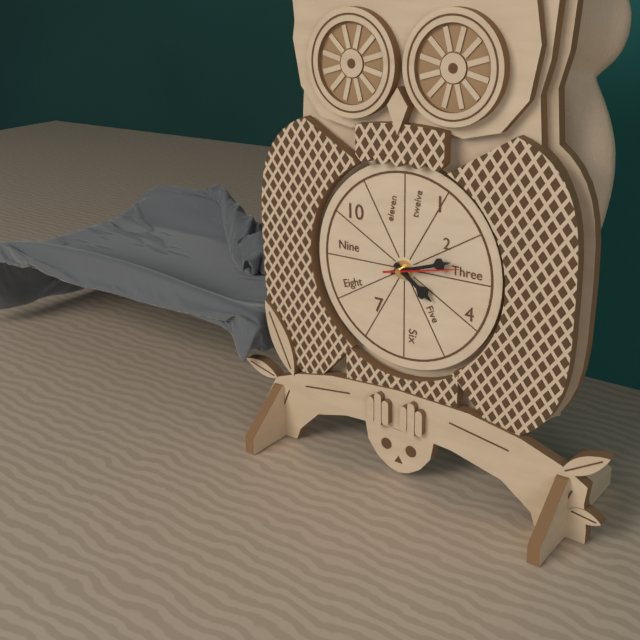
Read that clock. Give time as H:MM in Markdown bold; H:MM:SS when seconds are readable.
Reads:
**4:12:13**
